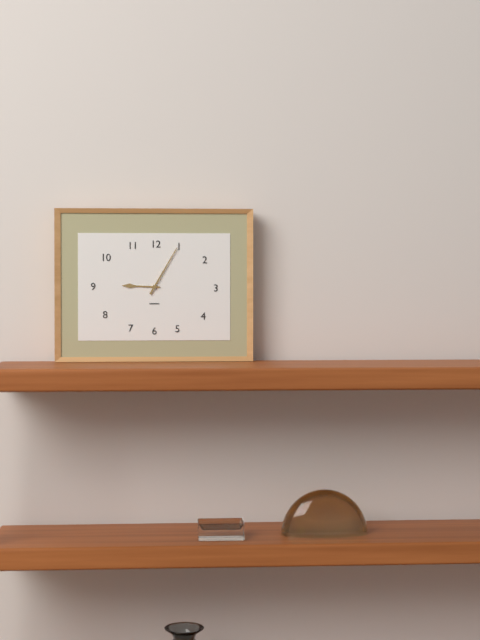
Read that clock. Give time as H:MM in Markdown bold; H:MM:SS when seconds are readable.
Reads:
**9:05**
